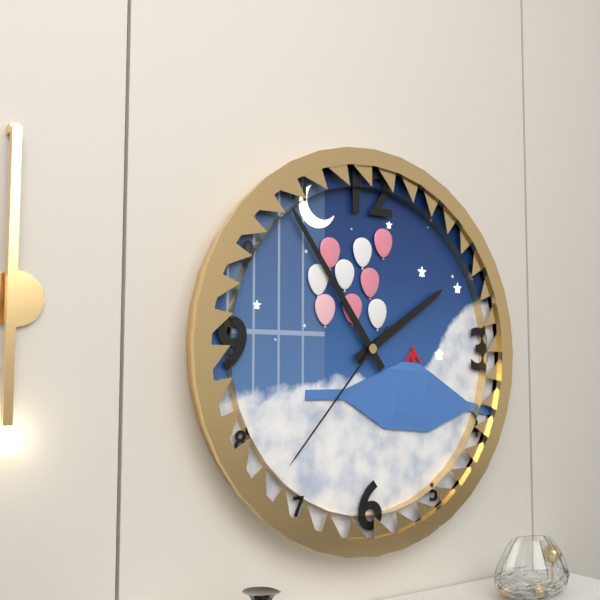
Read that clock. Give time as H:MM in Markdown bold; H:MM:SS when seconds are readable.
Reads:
**1:54:37**
